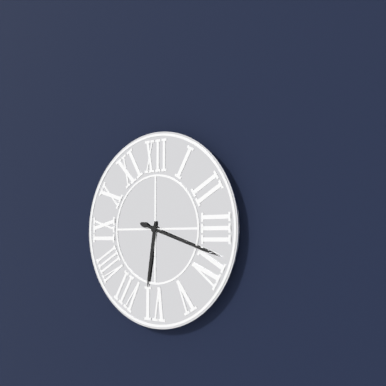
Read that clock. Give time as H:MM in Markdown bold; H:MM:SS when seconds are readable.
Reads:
**6:18**
